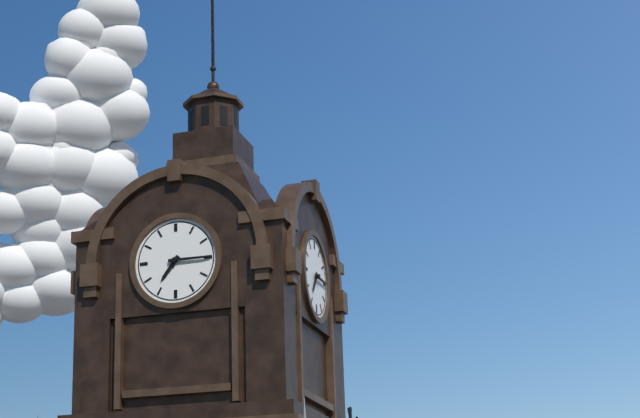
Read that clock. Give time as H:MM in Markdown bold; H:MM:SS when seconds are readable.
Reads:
**7:15**
